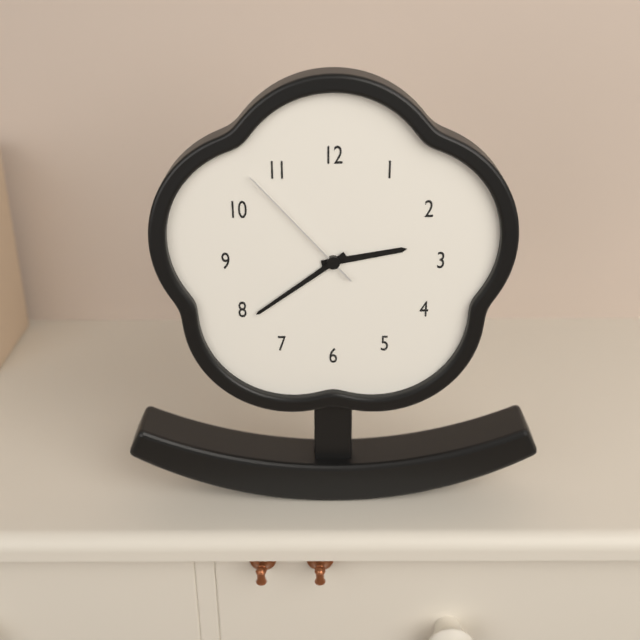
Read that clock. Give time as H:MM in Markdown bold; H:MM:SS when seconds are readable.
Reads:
**2:39:53**
